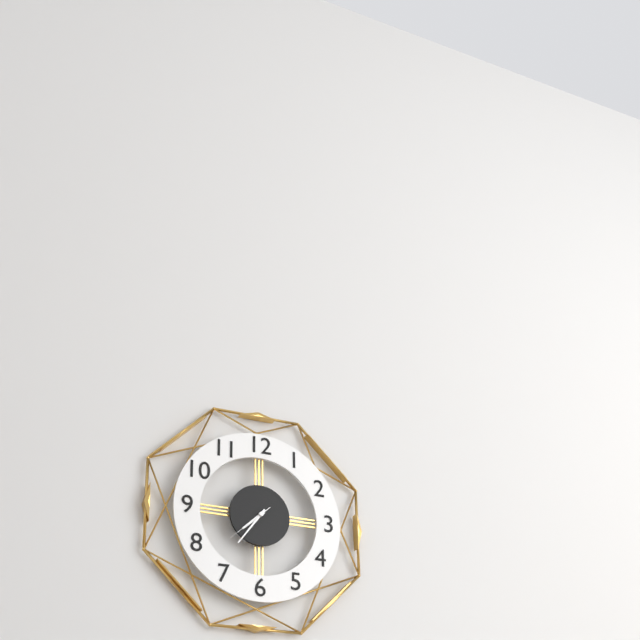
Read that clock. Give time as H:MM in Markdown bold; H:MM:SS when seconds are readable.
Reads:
**7:36**
